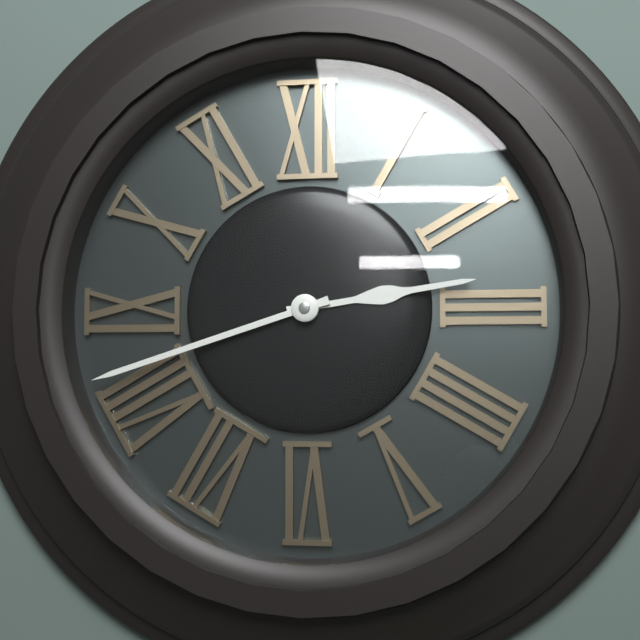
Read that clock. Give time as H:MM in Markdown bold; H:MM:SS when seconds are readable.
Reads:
**2:42**
